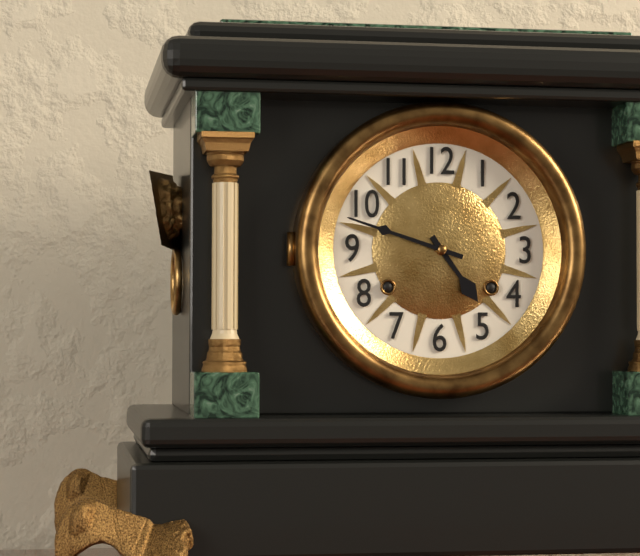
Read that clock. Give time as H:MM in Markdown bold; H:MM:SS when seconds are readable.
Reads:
**4:48**
